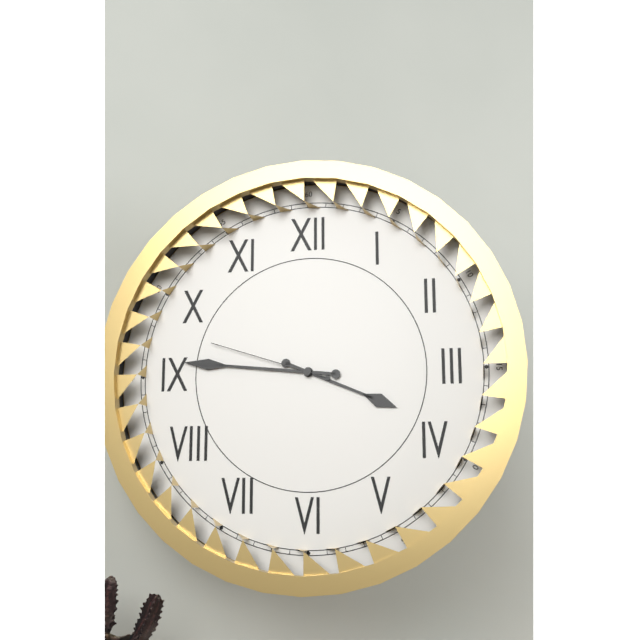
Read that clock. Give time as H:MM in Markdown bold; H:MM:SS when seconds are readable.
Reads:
**3:46:48**
